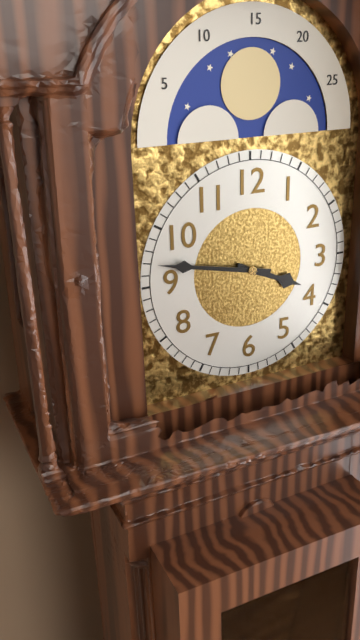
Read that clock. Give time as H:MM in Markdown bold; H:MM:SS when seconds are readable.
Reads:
**3:47**
